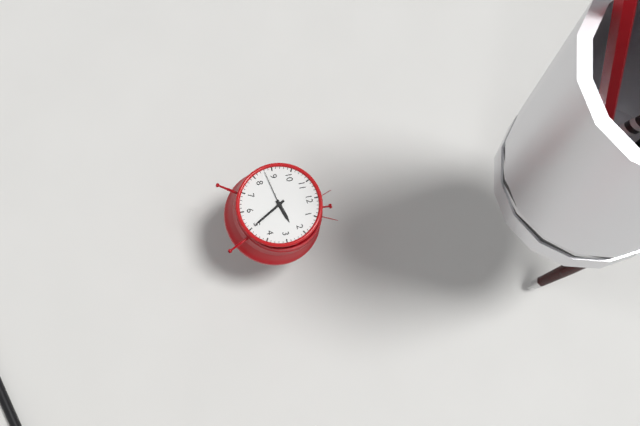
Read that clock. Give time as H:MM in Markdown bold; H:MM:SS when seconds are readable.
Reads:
**2:25**
